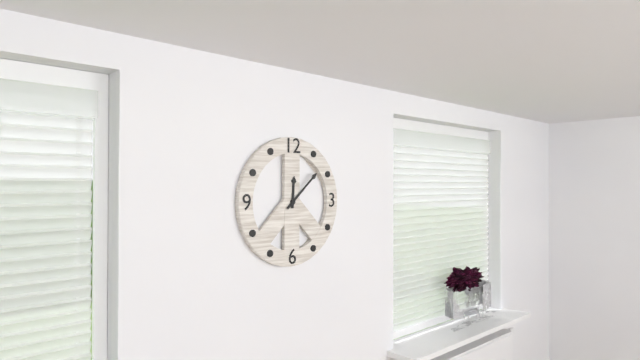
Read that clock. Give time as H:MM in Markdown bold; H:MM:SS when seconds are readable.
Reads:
**12:08**
